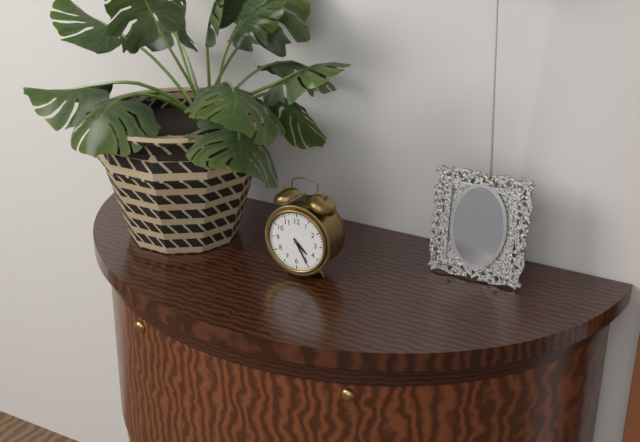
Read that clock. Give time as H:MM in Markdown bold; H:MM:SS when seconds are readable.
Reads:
**4:25**
